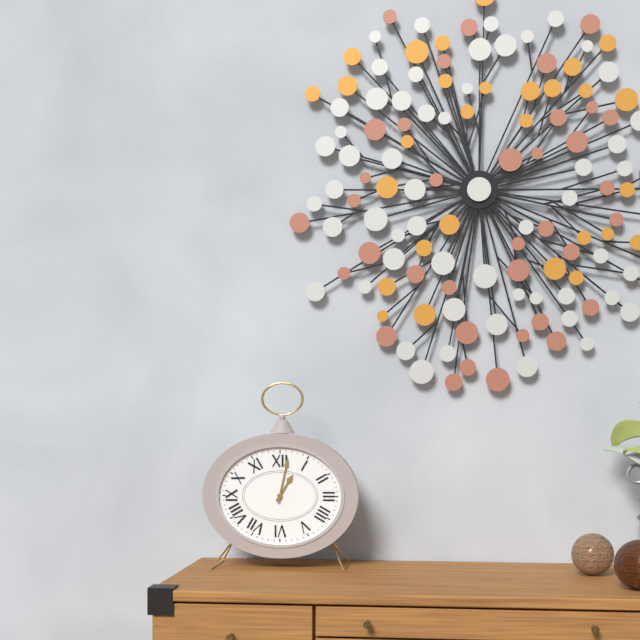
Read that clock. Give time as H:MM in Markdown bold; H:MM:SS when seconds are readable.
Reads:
**1:02**
